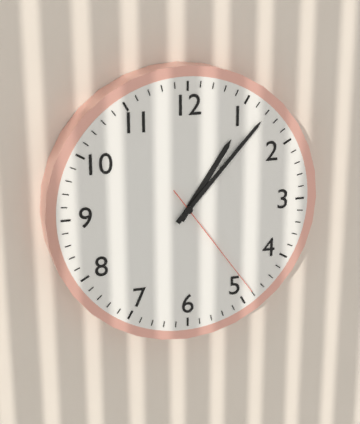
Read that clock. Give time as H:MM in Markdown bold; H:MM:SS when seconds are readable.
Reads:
**1:07:24**
